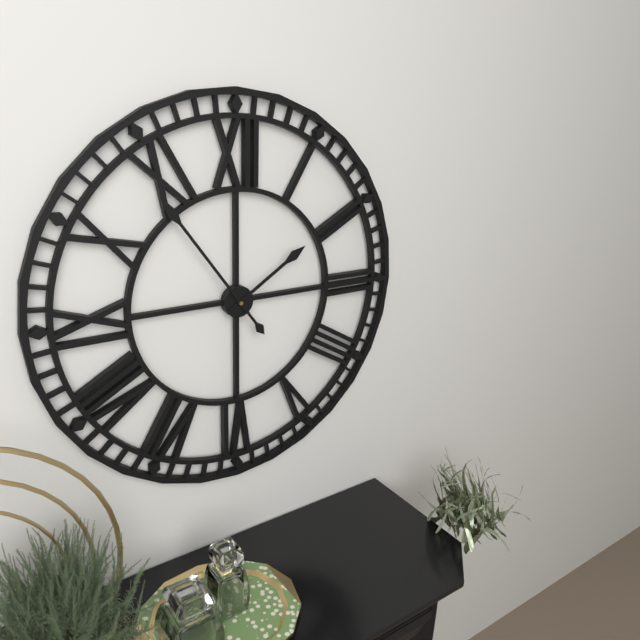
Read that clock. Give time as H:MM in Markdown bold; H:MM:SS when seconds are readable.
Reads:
**1:54**
